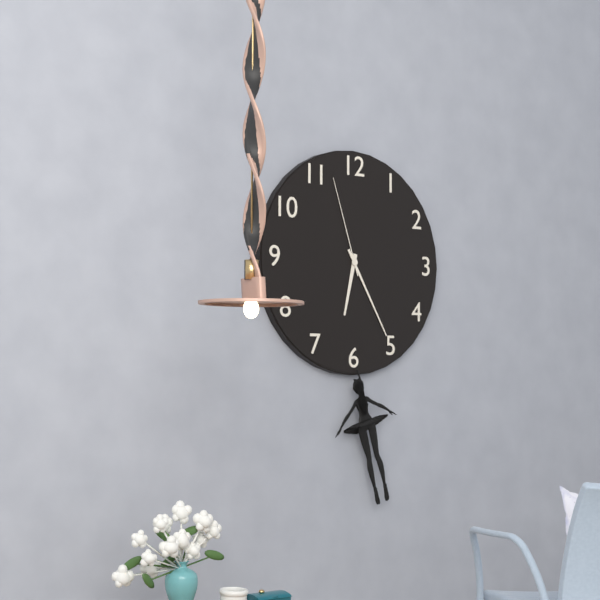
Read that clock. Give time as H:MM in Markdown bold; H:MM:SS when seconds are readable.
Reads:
**6:25:57**
